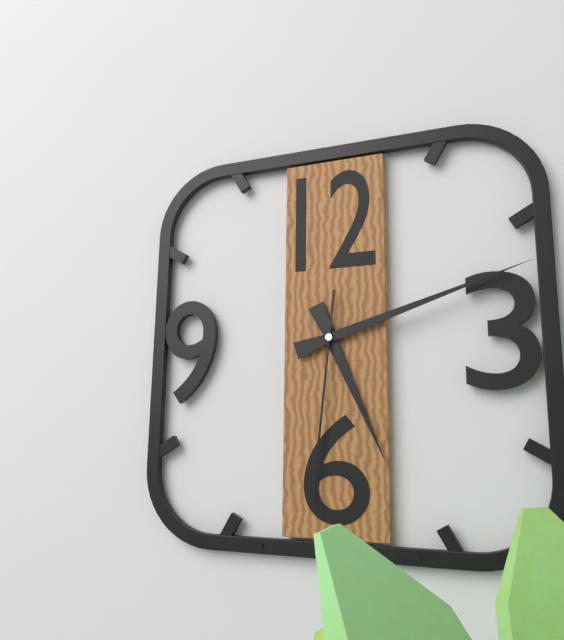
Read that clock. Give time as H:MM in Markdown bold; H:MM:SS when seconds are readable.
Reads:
**5:12:31**
